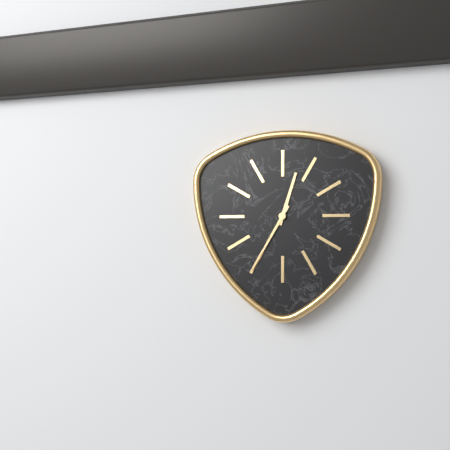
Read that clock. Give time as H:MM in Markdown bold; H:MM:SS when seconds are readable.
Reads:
**12:35**
